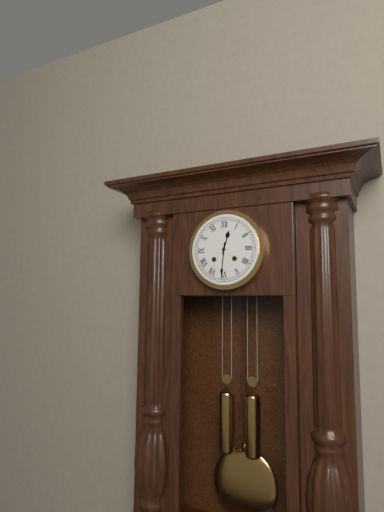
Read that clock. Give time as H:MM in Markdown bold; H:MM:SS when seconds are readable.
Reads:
**12:31**
